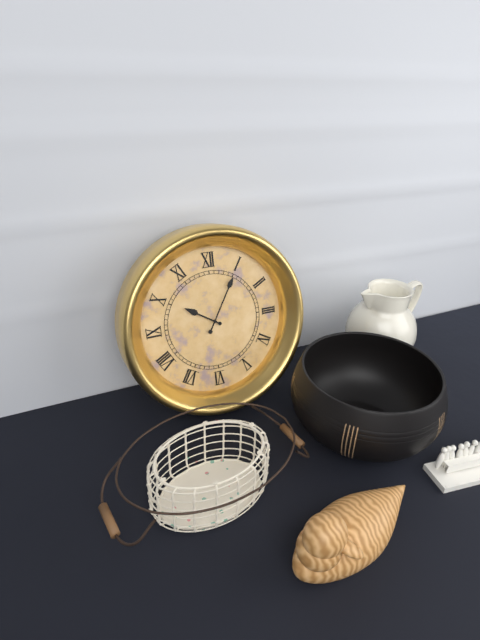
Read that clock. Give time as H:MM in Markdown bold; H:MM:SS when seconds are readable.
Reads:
**10:05**
